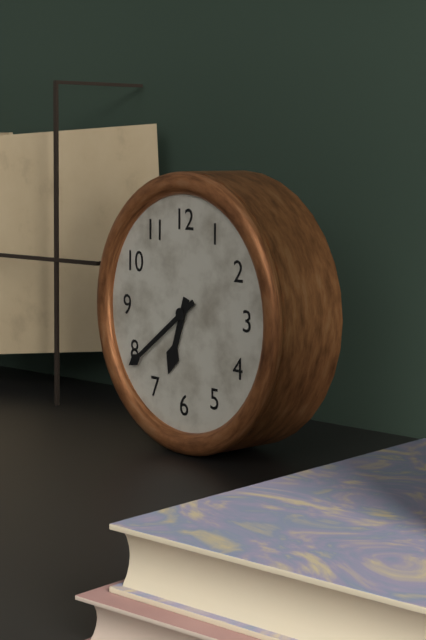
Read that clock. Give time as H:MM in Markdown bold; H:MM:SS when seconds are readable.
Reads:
**6:39**
